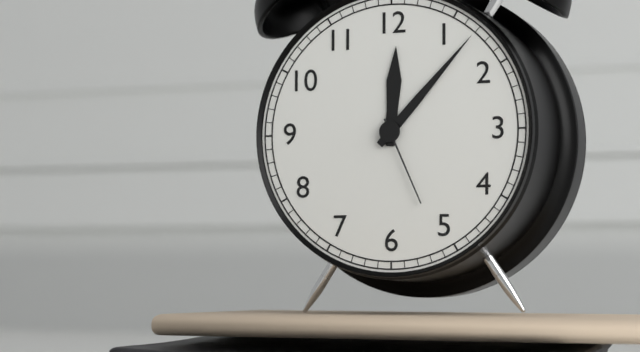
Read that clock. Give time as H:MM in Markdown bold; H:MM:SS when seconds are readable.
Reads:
**12:07:26**
